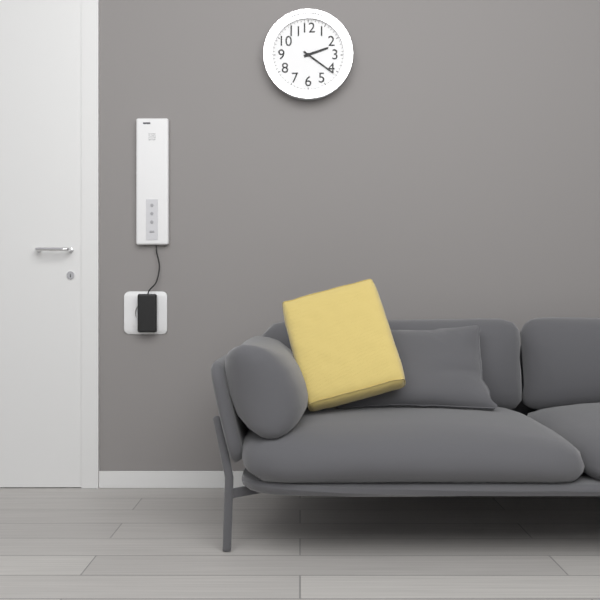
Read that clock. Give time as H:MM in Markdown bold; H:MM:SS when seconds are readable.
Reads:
**2:21**
